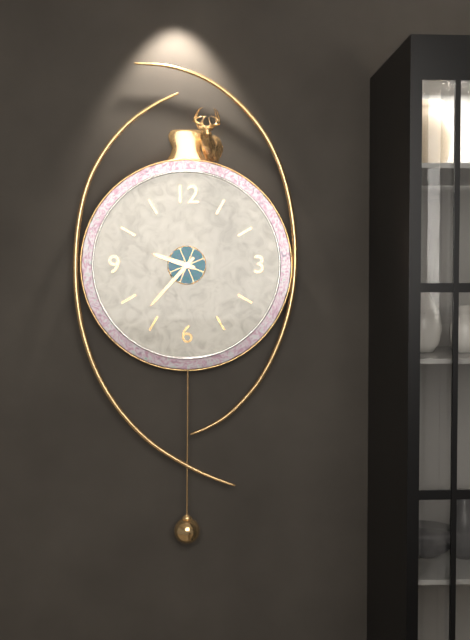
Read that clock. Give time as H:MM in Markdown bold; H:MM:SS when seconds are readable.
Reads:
**9:37**
